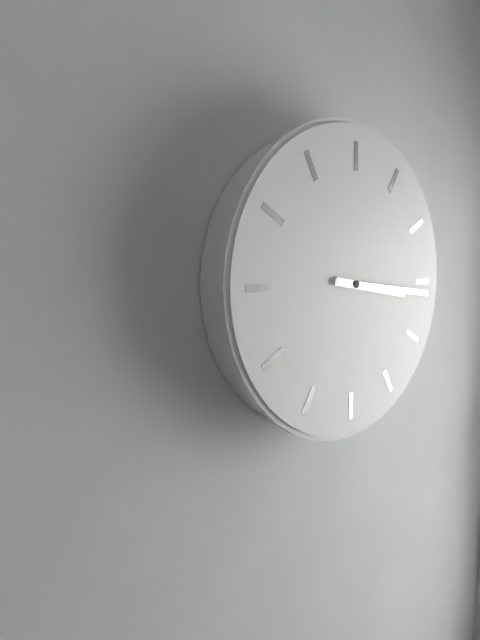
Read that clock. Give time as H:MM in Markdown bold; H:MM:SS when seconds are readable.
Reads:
**3:16**
